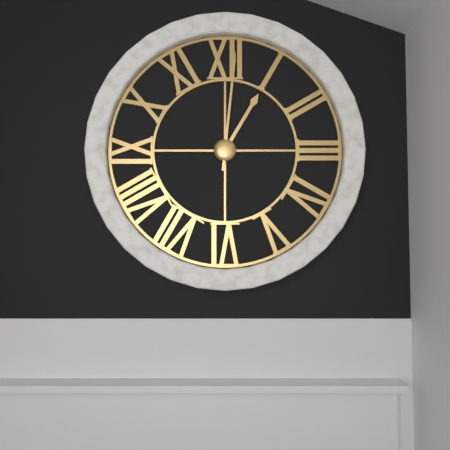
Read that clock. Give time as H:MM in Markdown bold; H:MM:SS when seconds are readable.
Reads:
**1:01**
